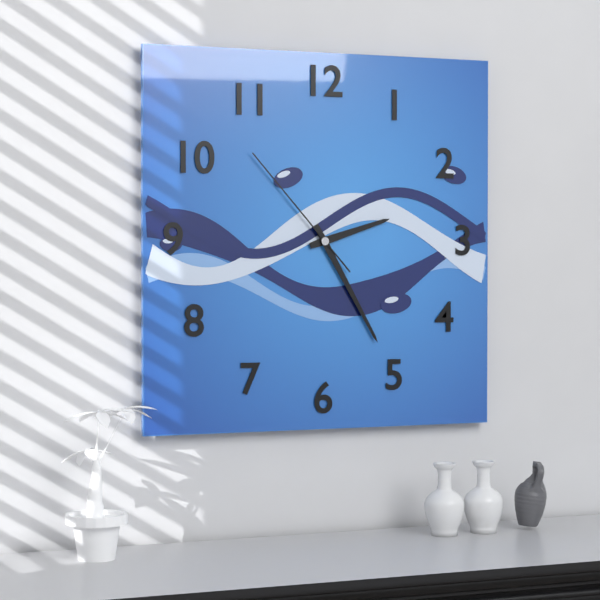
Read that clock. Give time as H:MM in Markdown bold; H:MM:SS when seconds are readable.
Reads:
**2:25:53**
